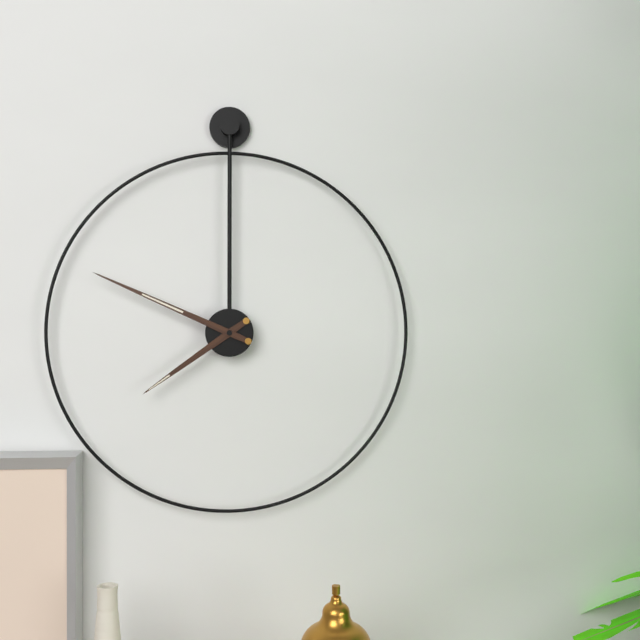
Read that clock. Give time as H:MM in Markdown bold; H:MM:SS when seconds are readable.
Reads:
**7:49**
